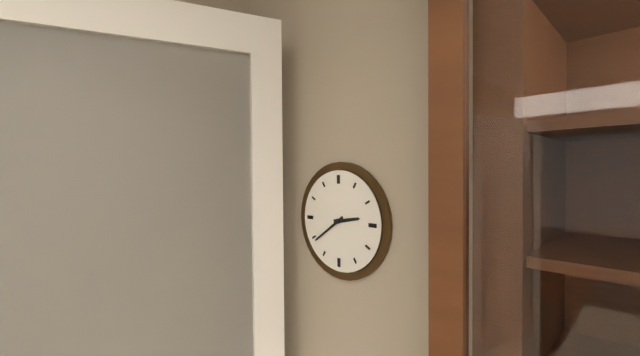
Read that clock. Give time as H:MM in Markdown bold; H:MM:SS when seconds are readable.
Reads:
**2:39**
